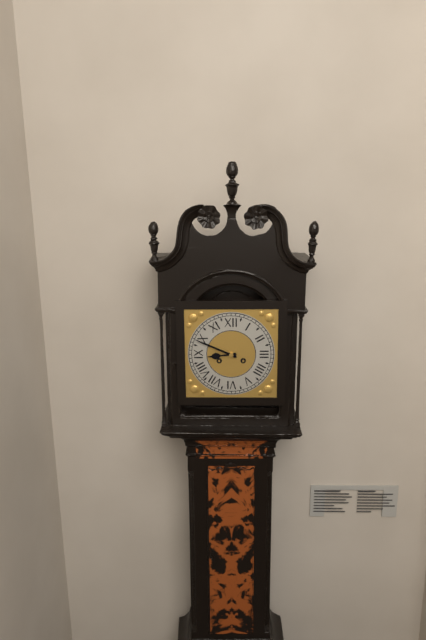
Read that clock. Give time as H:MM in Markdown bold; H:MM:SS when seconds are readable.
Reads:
**8:49**
